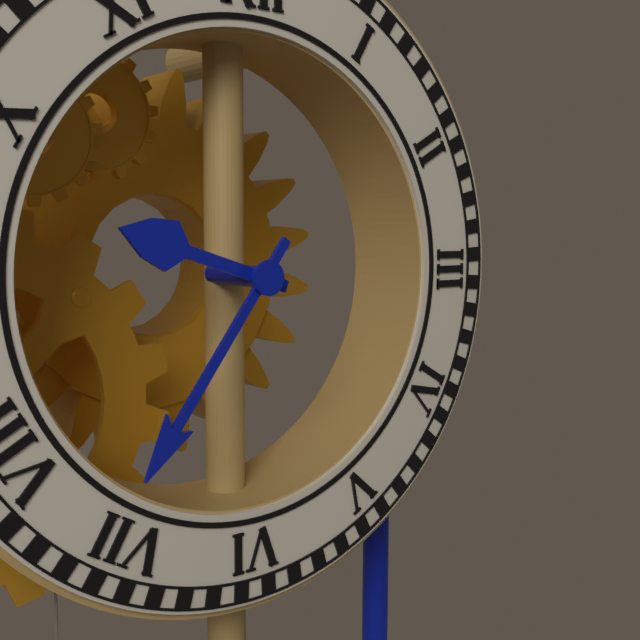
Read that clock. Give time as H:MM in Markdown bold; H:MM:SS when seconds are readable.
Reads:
**9:36**
